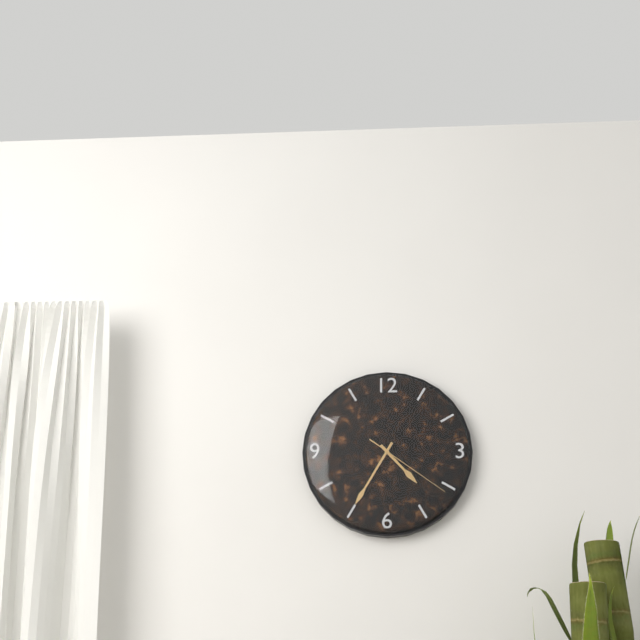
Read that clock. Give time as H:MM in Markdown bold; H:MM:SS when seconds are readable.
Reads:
**4:35:21**
